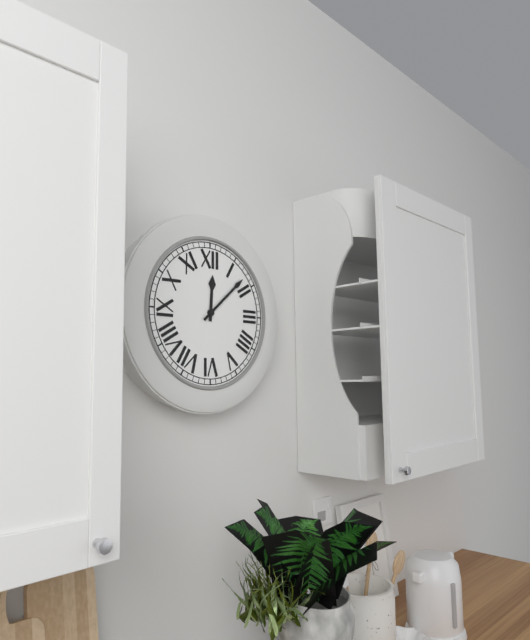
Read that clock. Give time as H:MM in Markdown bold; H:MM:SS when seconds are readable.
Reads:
**12:08**
